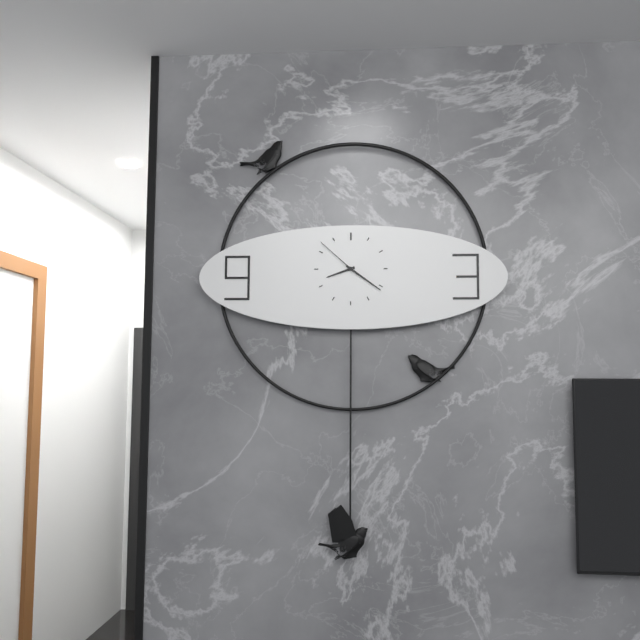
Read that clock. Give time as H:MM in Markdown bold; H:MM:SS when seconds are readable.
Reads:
**8:21:52**
